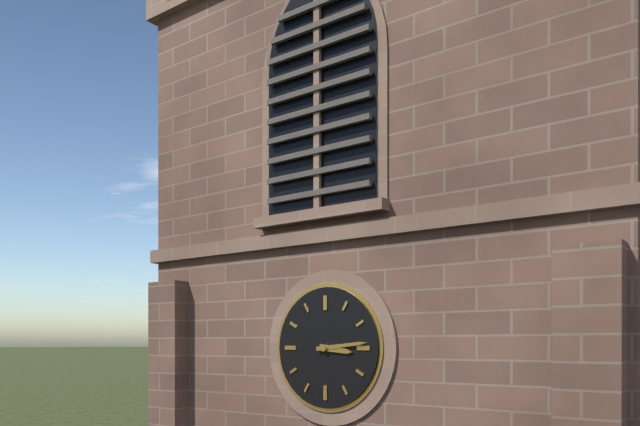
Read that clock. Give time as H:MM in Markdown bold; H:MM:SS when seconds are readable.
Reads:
**3:14**
